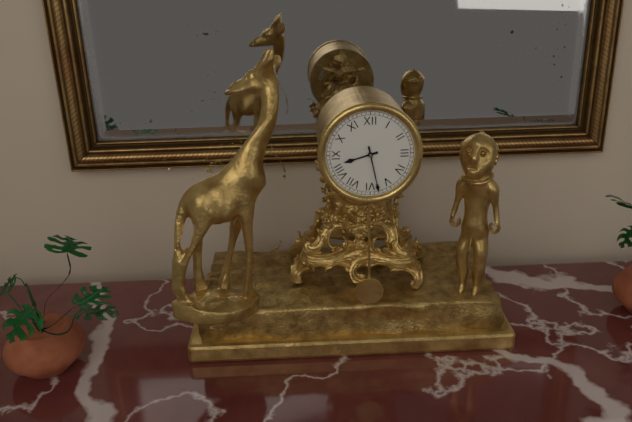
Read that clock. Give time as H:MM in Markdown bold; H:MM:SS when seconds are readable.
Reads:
**8:28**
